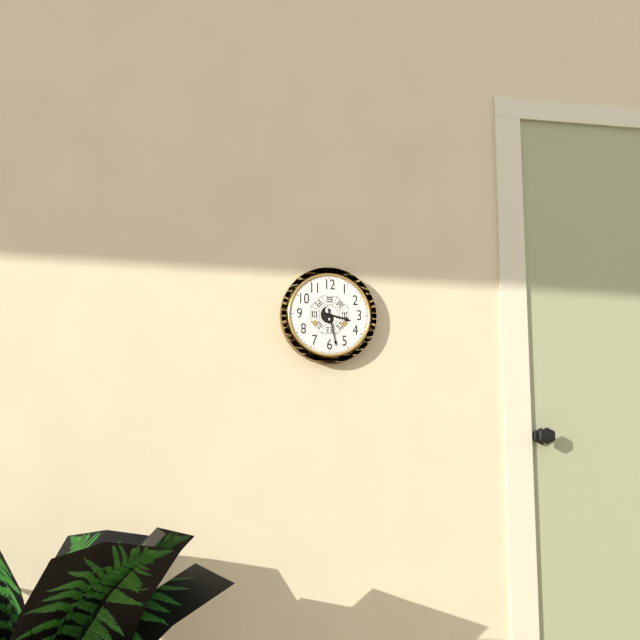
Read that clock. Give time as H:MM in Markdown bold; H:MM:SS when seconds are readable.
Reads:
**3:28**
